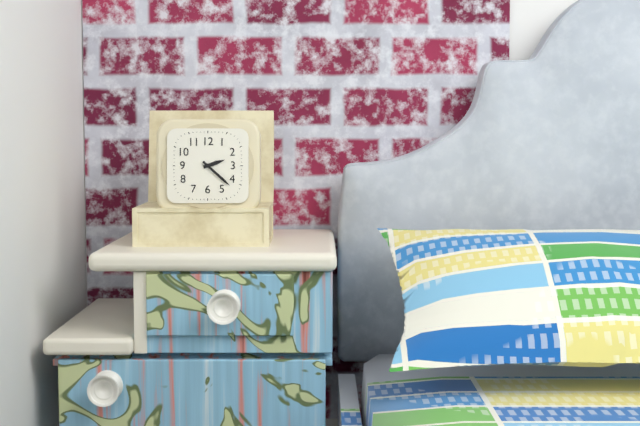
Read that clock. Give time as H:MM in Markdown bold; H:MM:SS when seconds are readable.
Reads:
**2:22**
